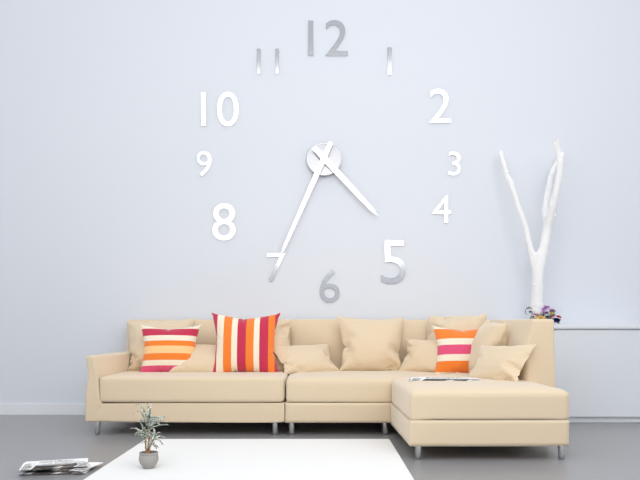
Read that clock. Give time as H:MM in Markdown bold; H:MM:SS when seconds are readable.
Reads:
**4:34**
